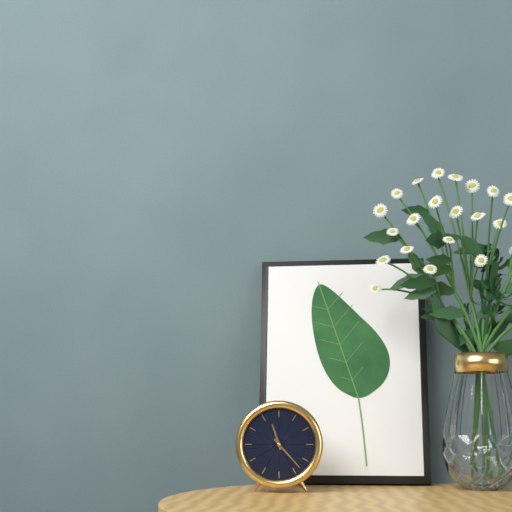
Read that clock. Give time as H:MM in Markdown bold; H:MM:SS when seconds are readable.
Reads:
**11:23**
